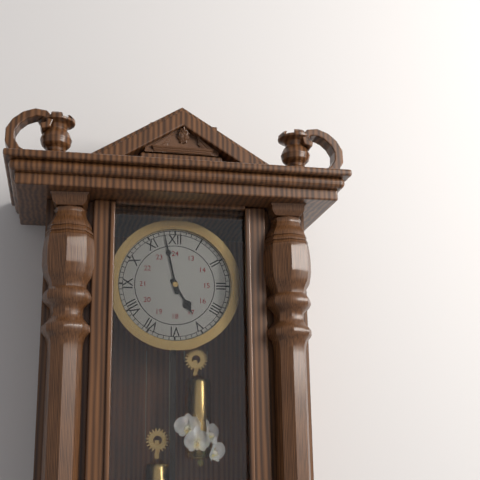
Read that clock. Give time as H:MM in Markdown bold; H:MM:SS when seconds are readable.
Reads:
**4:58**
